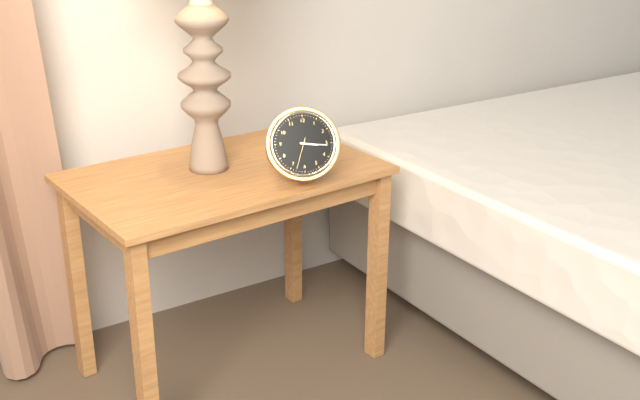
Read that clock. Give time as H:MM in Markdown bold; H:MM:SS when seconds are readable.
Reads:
**3:16**
